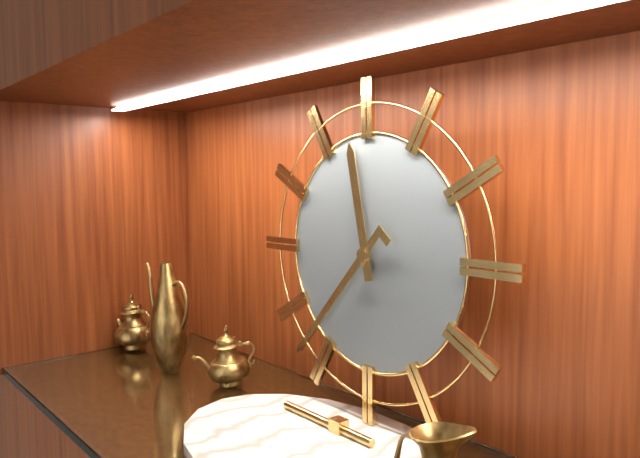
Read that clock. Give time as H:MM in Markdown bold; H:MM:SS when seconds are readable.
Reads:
**11:37**
